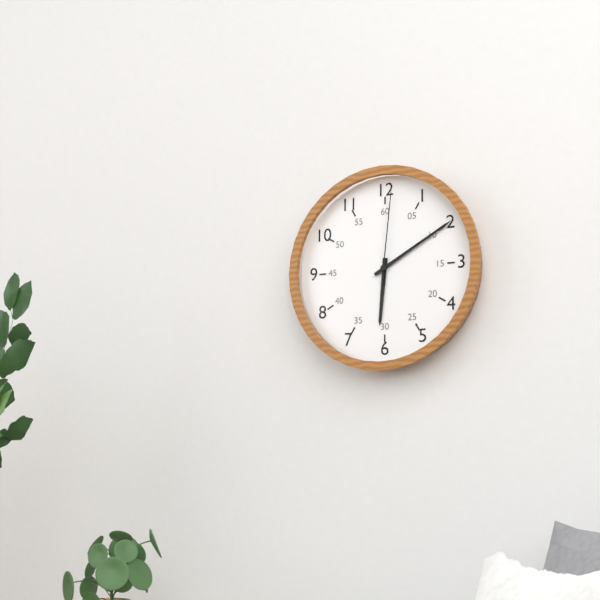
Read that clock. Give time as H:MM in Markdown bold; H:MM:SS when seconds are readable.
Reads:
**6:10:01**
